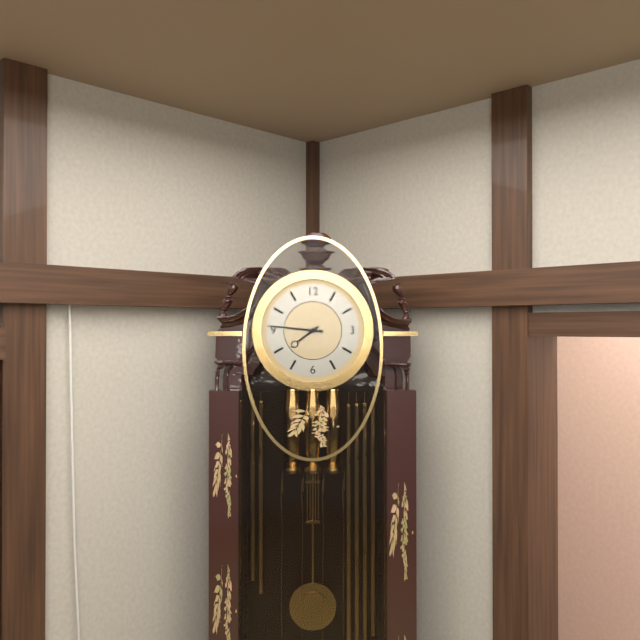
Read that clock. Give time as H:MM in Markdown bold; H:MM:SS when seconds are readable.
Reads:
**7:46**
